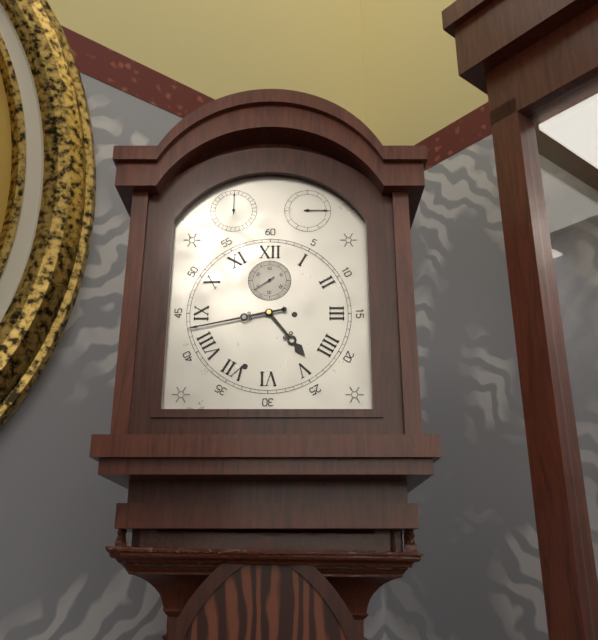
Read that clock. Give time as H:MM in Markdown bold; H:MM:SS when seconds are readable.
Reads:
**4:43**
